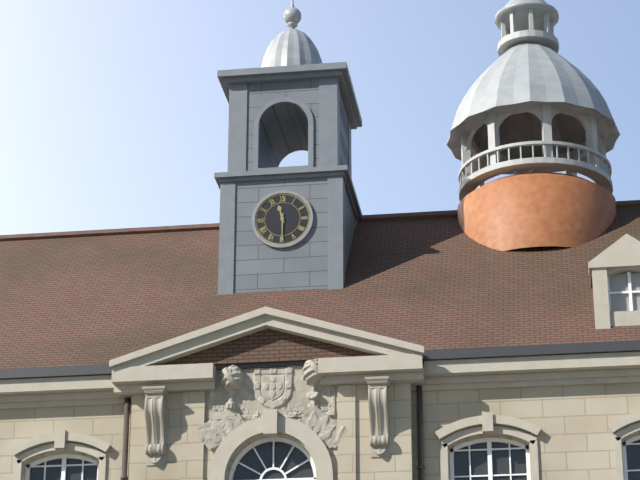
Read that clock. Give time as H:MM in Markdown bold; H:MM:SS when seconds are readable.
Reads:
**11:30**
